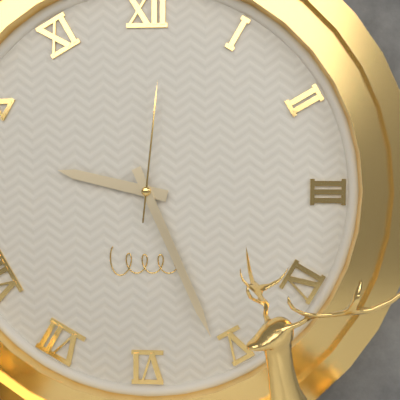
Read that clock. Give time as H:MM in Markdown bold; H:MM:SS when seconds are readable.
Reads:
**9:26:01**
